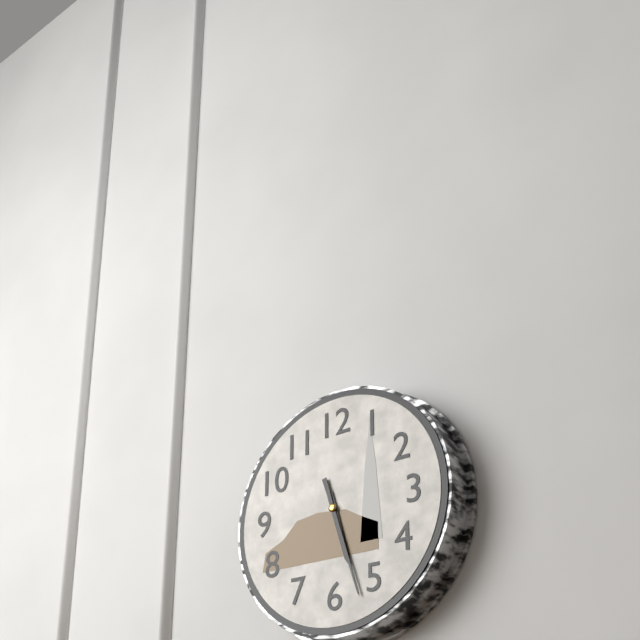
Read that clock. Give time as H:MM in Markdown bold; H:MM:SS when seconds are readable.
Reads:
**5:27**
